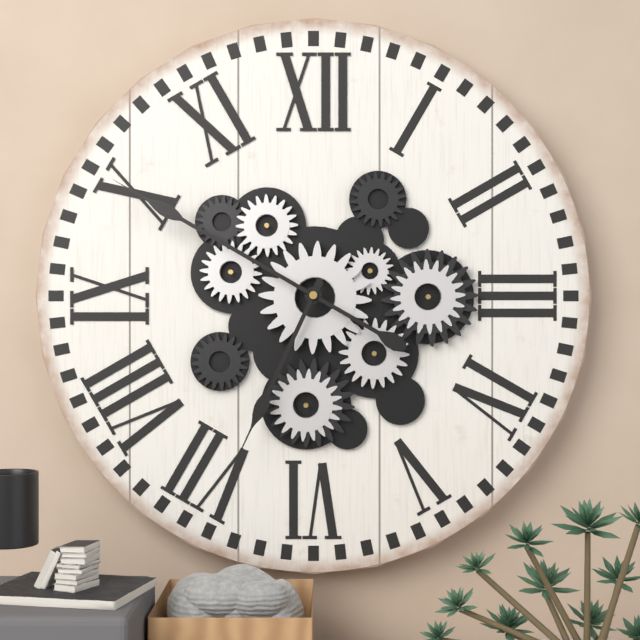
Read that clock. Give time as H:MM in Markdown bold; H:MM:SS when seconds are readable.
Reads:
**6:50**
